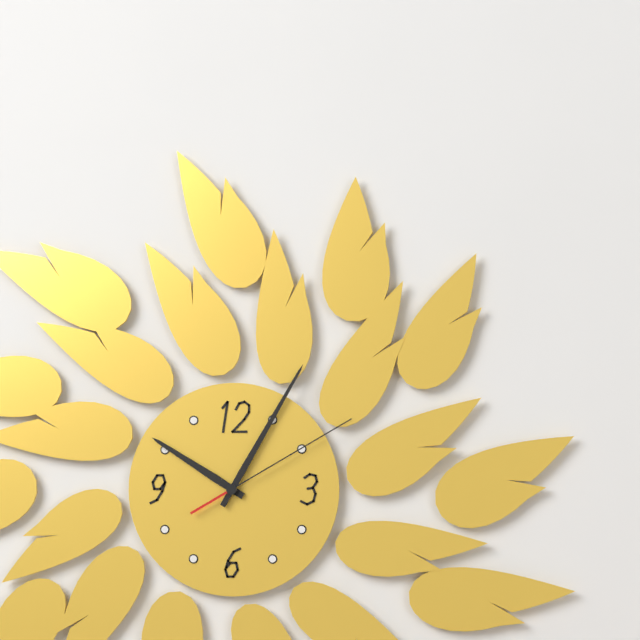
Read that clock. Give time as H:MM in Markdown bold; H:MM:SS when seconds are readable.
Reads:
**10:05:10**
